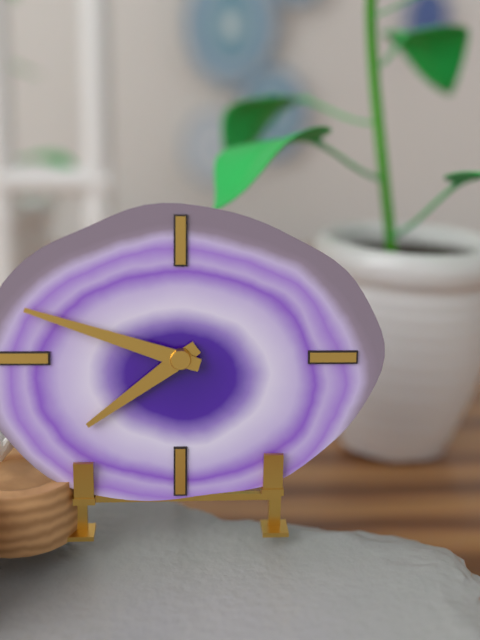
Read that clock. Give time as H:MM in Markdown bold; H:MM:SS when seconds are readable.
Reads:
**7:48**
